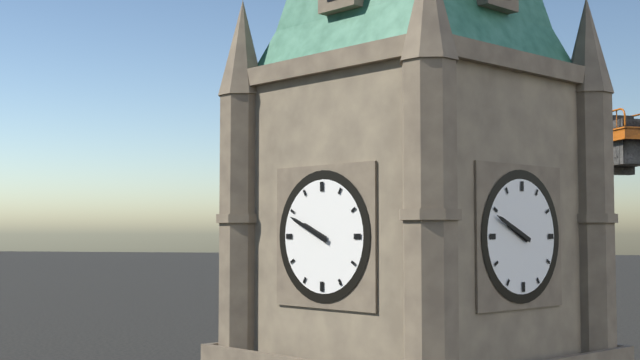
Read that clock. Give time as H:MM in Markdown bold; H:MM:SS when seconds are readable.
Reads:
**9:49**
